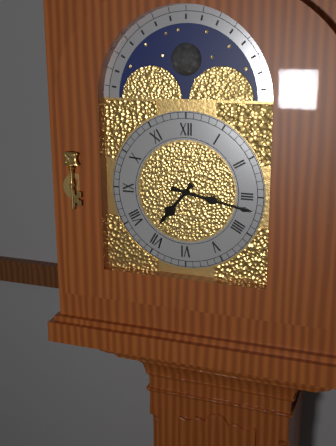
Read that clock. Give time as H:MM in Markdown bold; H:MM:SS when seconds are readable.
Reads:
**7:17**
